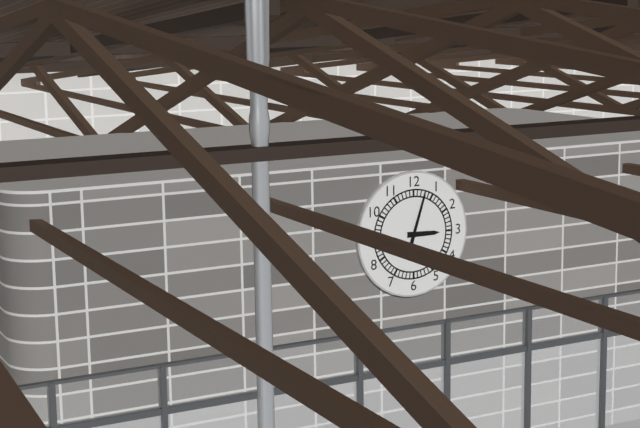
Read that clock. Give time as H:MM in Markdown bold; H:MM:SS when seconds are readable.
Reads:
**3:03**
